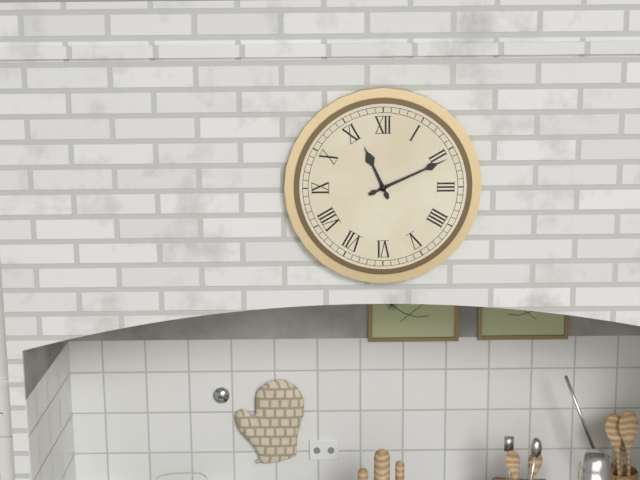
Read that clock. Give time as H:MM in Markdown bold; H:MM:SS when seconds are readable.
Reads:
**11:11**
